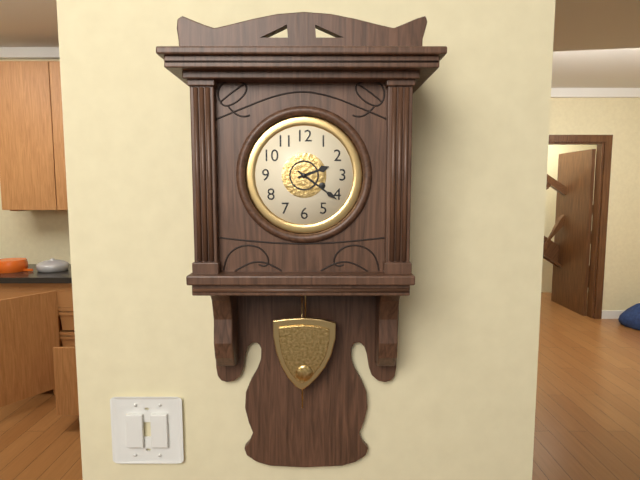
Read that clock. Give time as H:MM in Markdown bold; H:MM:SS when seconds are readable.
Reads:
**2:21**
